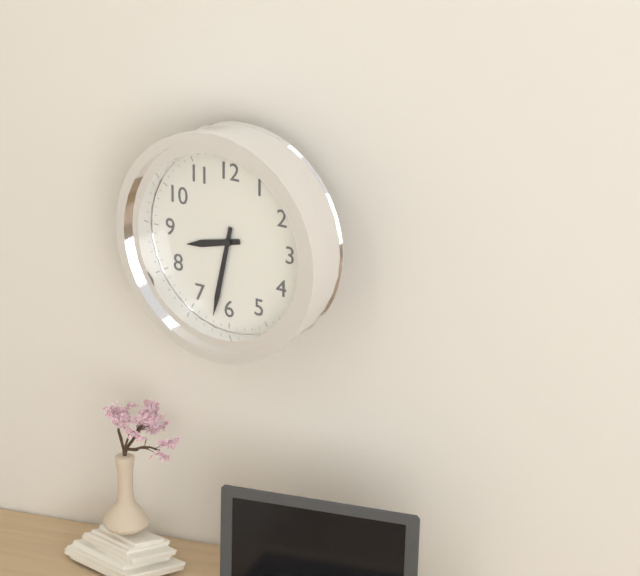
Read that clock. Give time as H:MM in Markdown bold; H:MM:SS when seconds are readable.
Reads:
**8:32**
